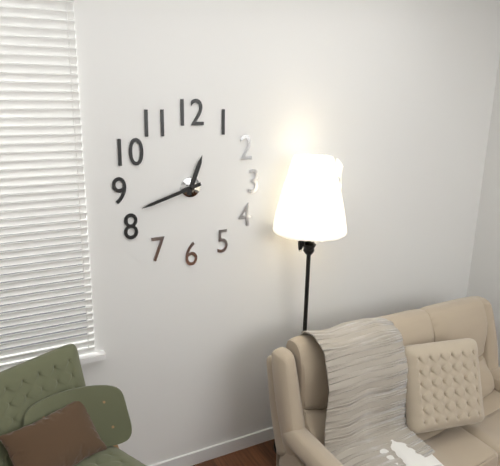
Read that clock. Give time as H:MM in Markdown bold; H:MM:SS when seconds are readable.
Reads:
**12:42**
